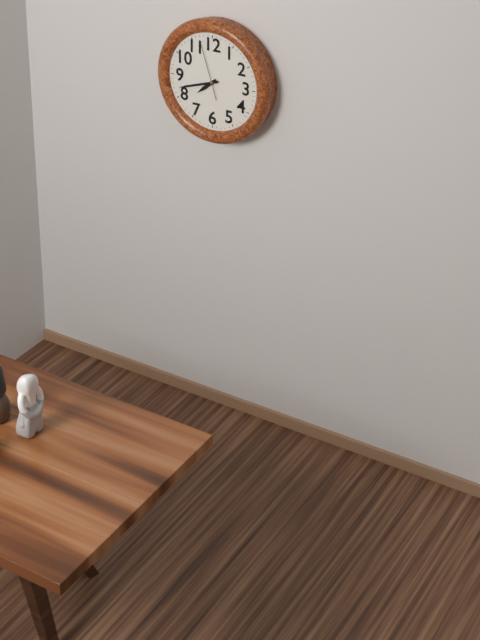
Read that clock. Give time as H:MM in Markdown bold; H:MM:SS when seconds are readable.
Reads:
**7:42:57**
